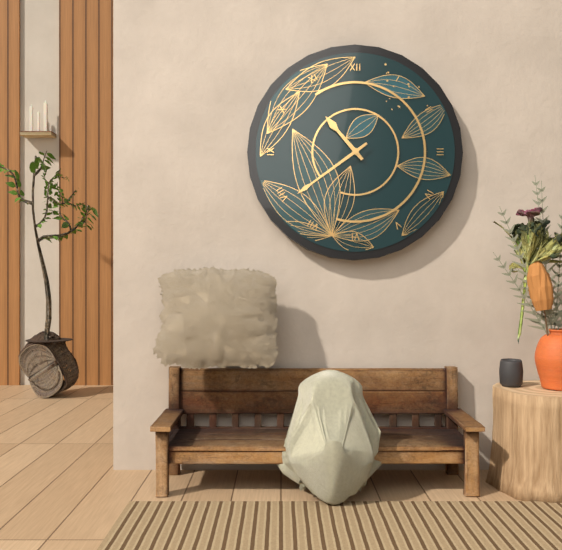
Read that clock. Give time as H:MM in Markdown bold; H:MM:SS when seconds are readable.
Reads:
**10:39**
